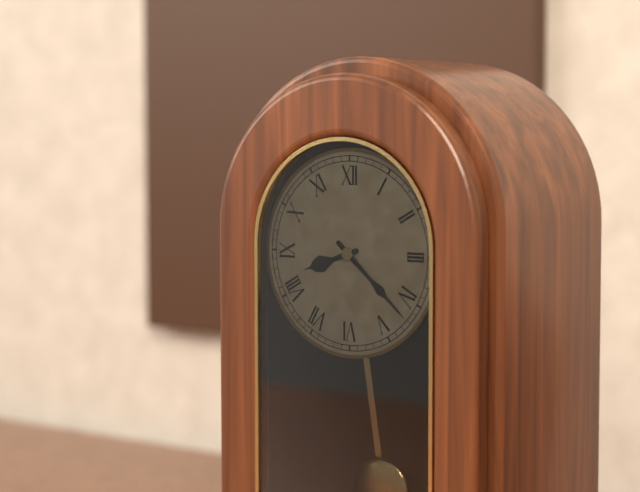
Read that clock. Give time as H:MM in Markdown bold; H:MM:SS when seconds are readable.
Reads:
**8:22**
